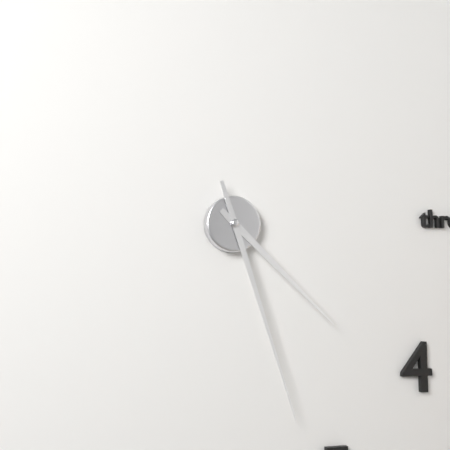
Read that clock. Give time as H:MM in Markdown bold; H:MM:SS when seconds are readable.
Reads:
**4:27**
